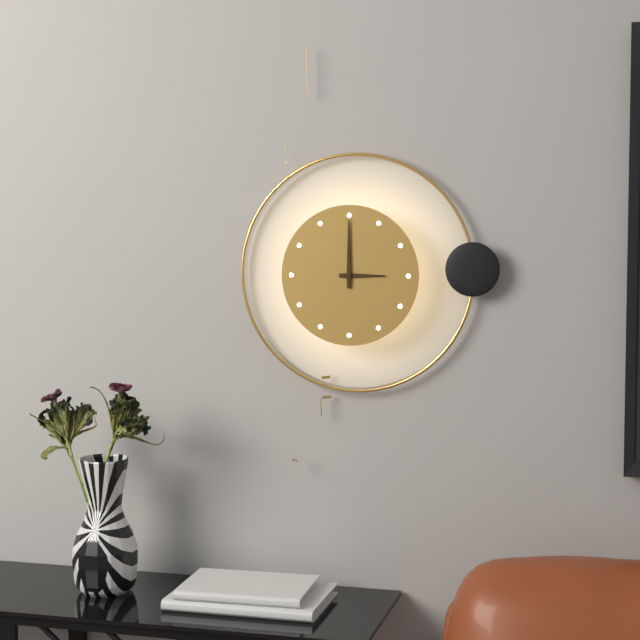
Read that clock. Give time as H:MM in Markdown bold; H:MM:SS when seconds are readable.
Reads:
**3:00**
